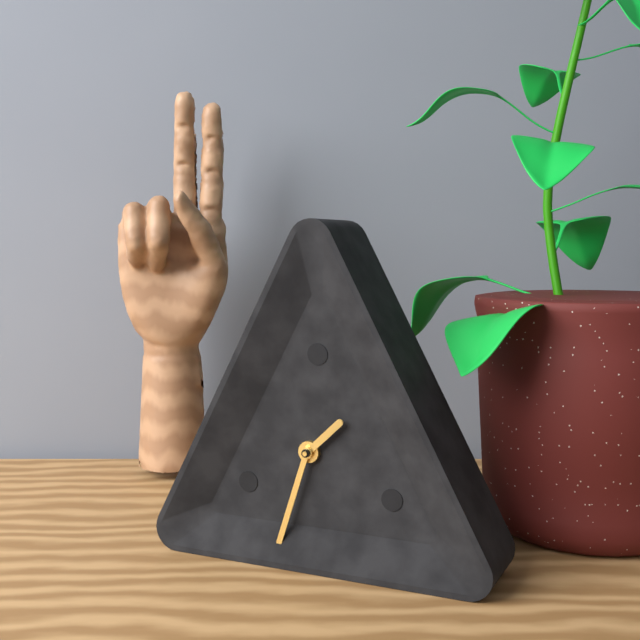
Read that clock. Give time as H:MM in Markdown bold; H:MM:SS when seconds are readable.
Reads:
**1:33**
